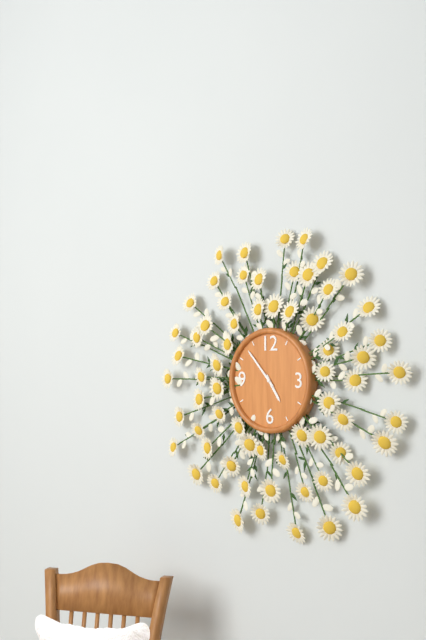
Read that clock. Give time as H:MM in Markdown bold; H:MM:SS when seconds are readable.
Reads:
**4:53**
